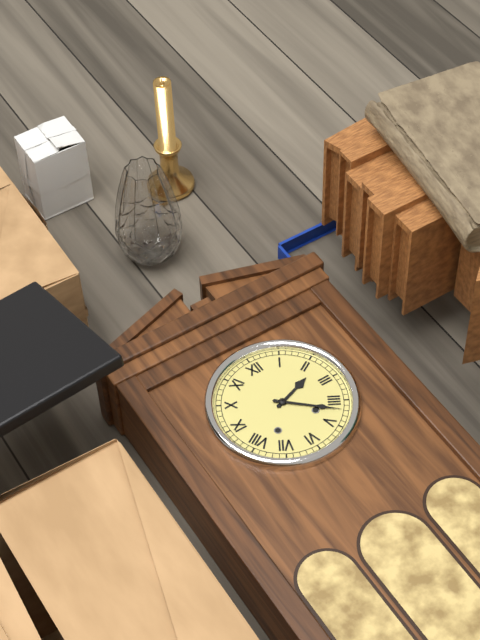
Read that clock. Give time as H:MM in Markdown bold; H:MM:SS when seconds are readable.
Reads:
**2:22**
